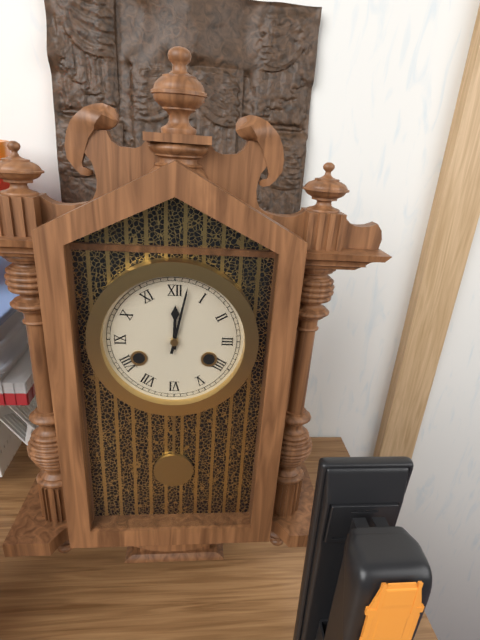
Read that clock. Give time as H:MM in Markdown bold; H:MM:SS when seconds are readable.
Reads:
**12:02**
